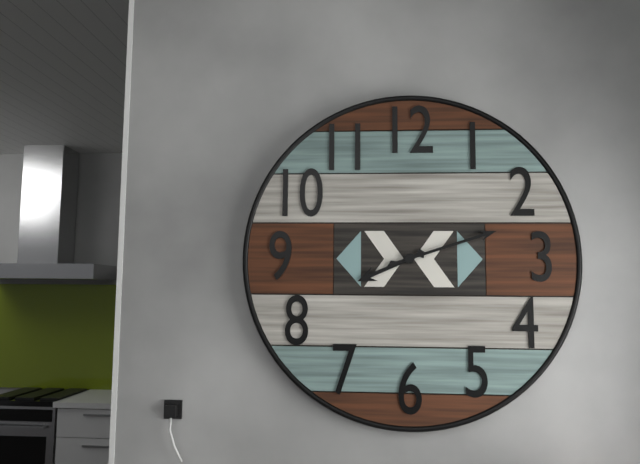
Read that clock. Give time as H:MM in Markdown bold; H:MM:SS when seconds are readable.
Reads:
**8:12**
